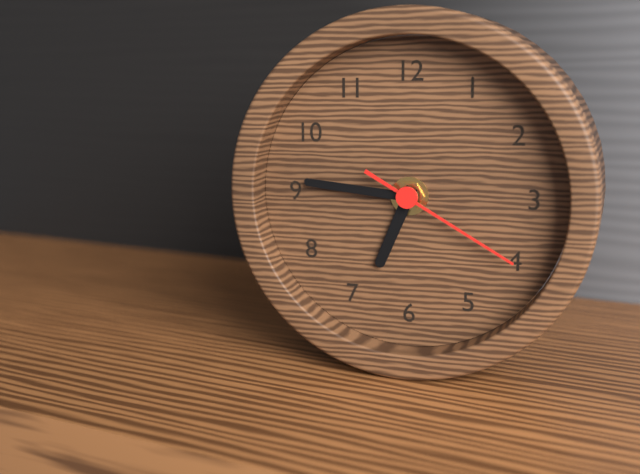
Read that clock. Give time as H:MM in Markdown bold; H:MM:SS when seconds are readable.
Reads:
**6:46:20**
